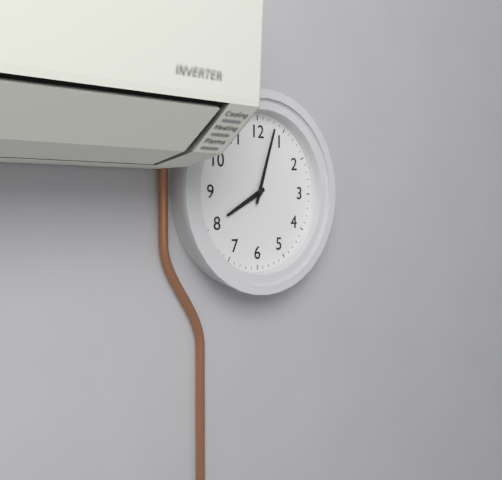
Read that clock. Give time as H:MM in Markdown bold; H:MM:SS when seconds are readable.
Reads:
**8:03**
